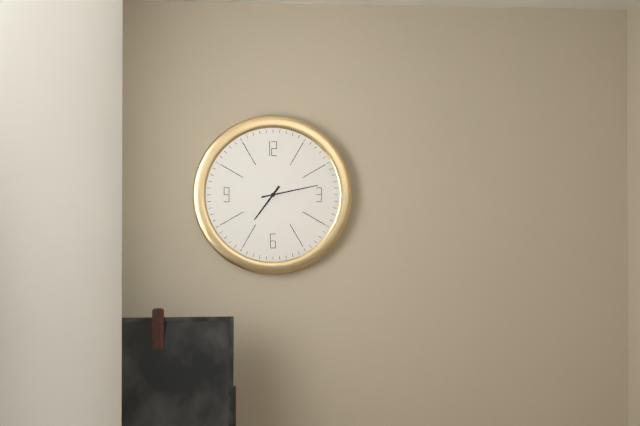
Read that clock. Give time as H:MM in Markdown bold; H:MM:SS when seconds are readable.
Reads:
**7:13**
